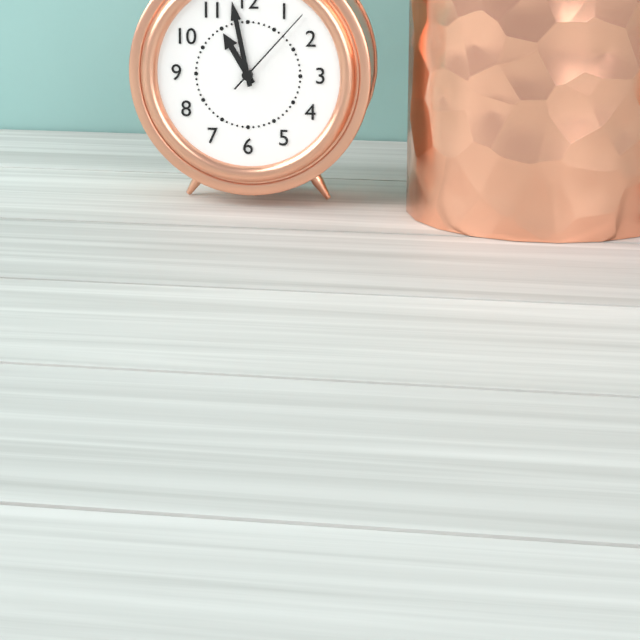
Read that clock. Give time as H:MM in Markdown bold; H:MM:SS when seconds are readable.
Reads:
**10:58:07**
